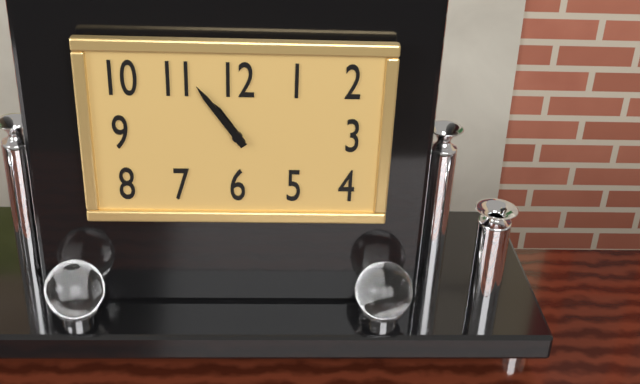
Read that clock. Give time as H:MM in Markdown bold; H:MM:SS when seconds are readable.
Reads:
**10:54**
